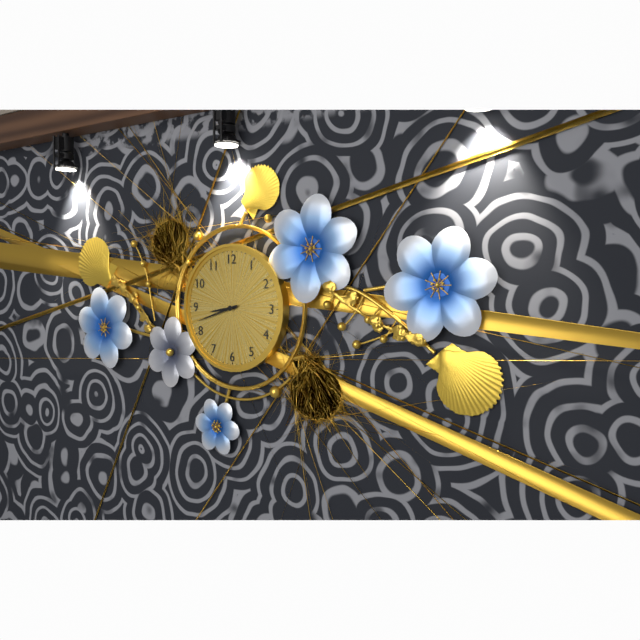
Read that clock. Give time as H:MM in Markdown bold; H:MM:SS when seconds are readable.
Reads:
**8:42**
